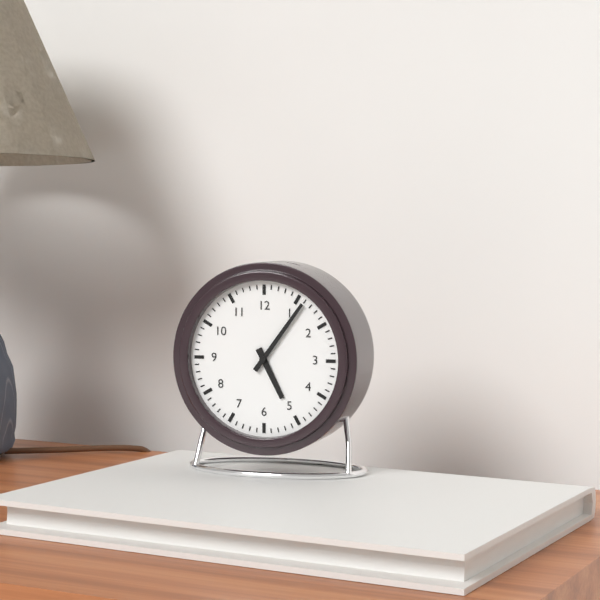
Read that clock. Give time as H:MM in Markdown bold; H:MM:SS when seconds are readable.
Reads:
**5:06**
